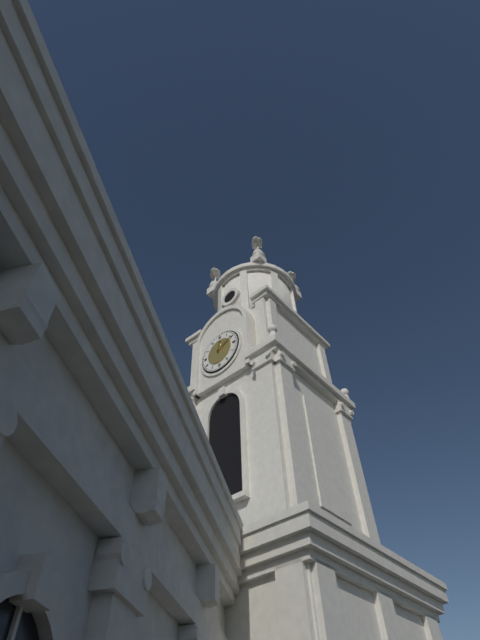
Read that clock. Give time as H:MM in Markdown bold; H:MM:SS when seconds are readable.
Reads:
**12:10**
